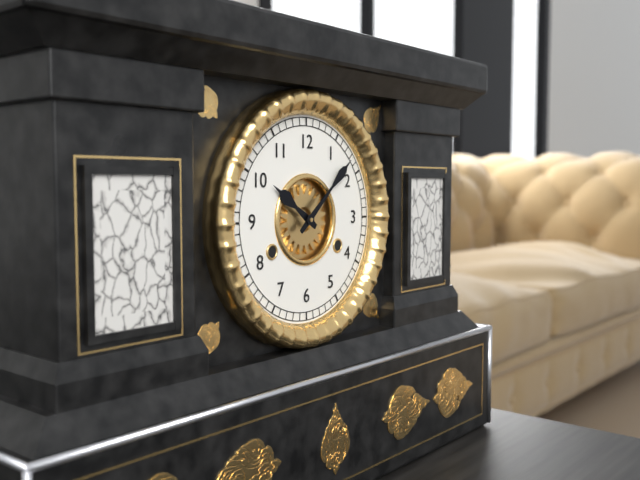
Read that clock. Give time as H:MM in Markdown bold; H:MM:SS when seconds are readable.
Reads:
**10:08**
